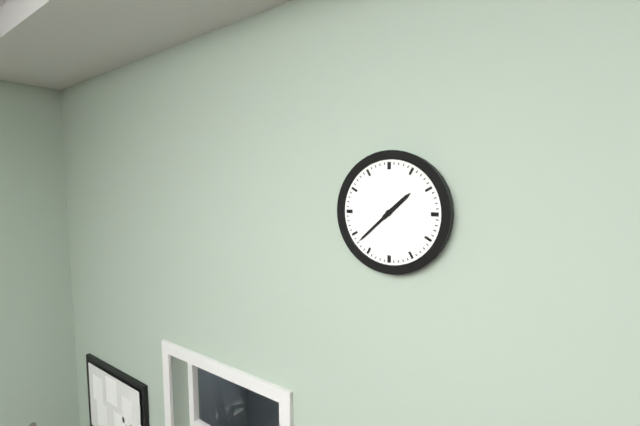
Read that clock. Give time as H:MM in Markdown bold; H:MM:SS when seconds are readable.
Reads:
**1:38**
